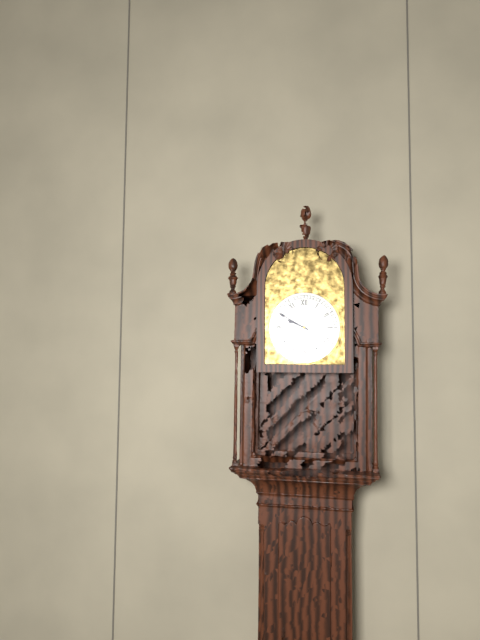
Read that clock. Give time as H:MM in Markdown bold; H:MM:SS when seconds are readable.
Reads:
**9:50**
